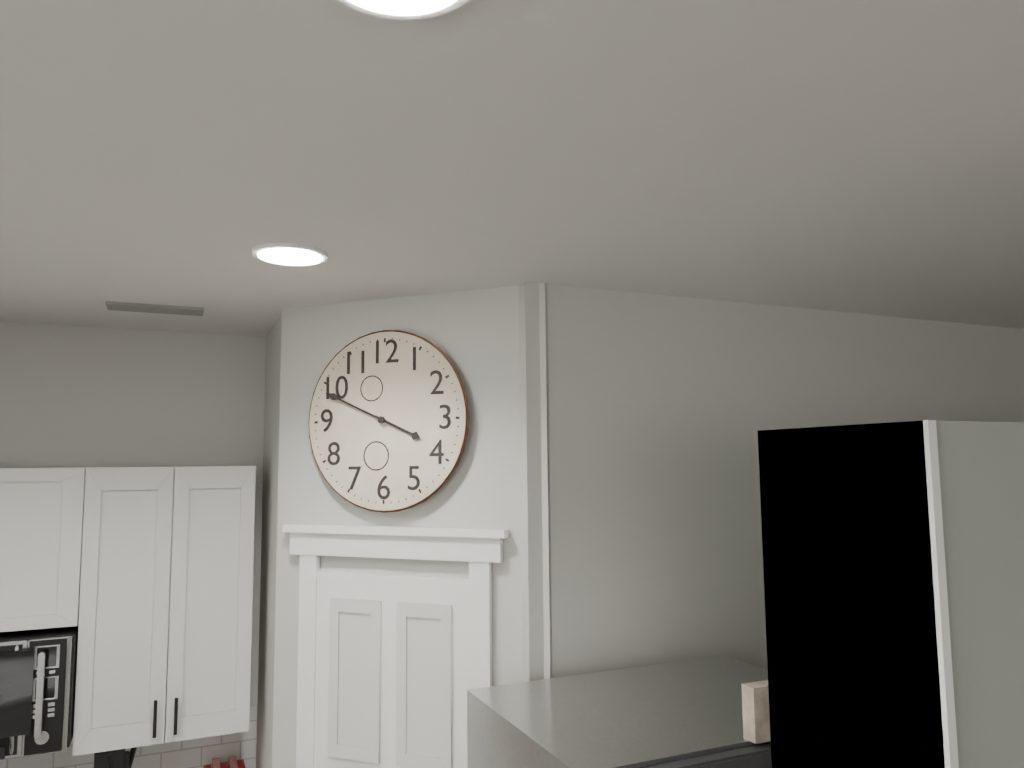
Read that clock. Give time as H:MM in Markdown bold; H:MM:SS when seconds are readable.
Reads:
**3:49**
